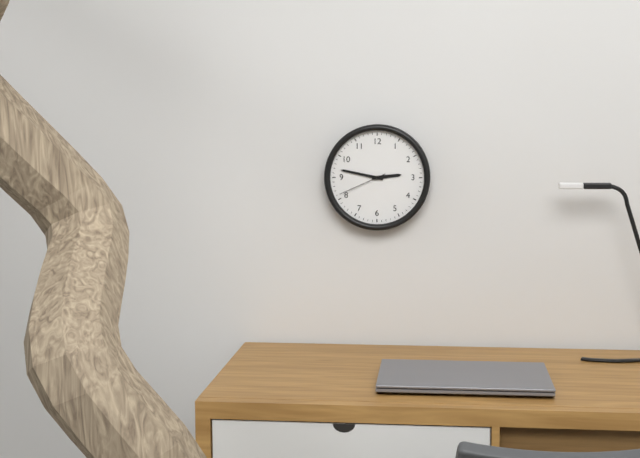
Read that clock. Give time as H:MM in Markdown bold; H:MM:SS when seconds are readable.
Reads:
**2:47:41**
